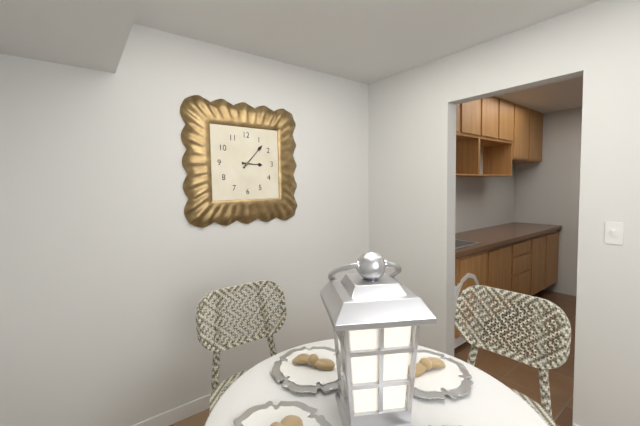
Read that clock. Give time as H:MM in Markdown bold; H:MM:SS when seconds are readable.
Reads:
**3:07**
